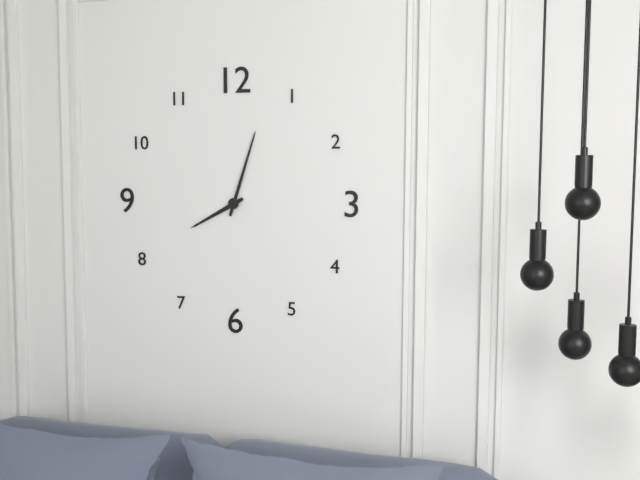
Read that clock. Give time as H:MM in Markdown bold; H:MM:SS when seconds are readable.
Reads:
**8:03**
